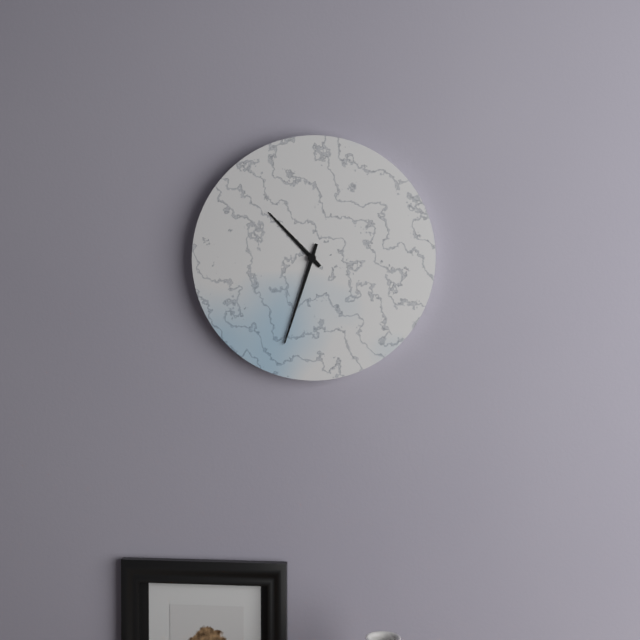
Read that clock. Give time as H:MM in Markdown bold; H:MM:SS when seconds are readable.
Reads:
**10:33**
